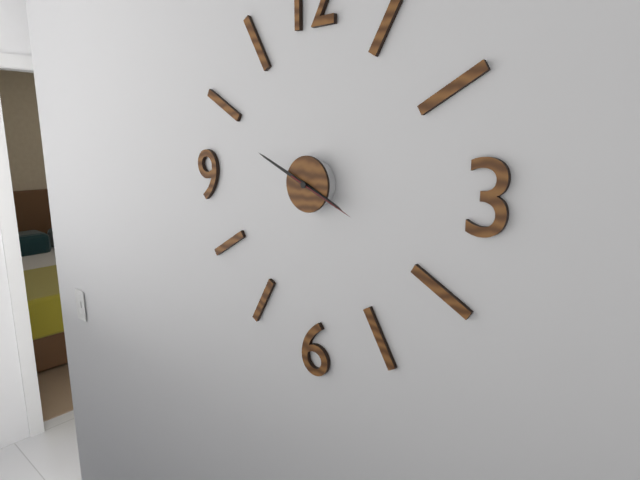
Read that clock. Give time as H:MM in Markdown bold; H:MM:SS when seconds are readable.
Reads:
**3:49:19**
